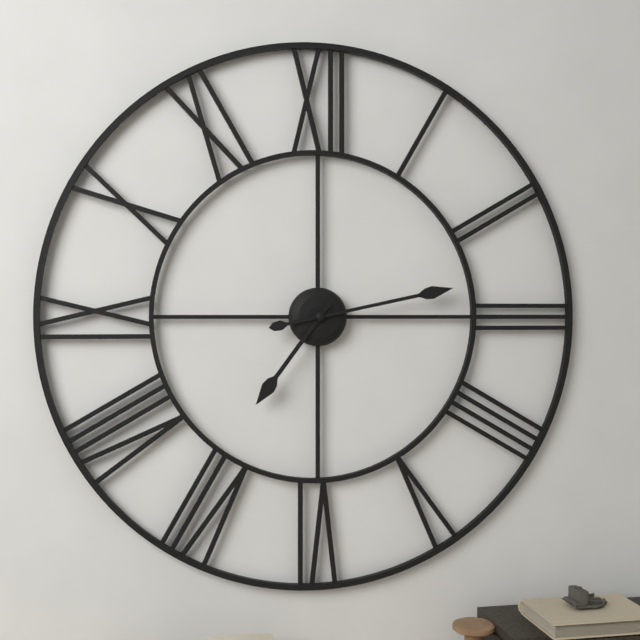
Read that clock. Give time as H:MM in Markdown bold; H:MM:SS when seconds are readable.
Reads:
**7:13**
